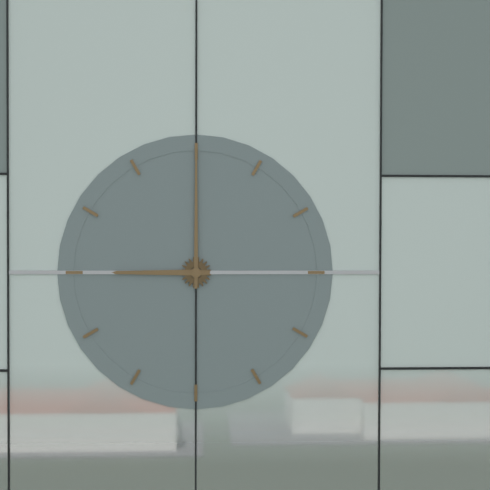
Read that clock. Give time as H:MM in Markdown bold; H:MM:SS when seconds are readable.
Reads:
**9:00**
